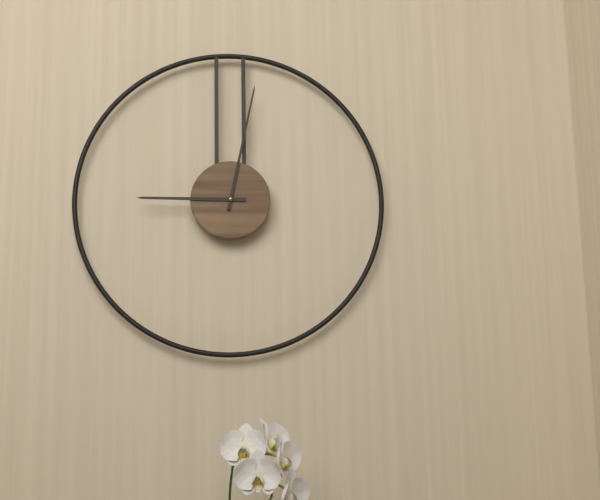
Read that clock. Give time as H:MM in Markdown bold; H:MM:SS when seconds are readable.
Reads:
**9:02**
